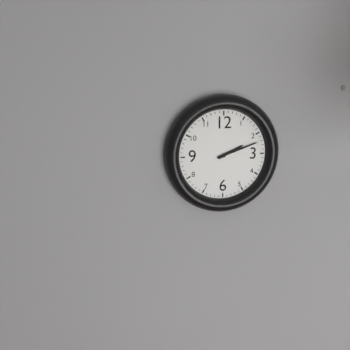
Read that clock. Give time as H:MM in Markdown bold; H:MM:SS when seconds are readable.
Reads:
**2:12**
